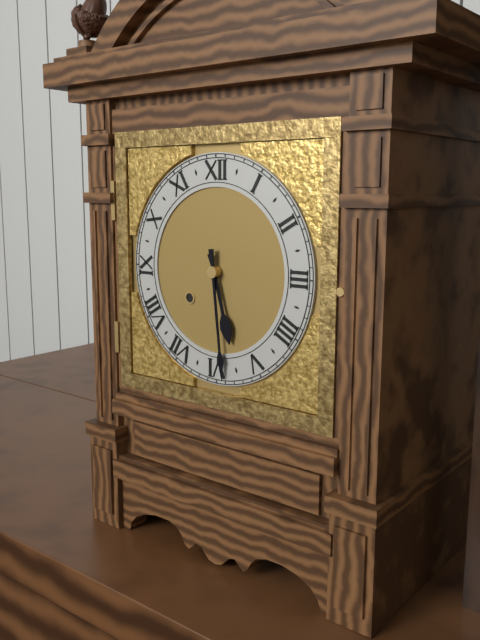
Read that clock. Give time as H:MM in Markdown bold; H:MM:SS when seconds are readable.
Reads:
**5:29**
